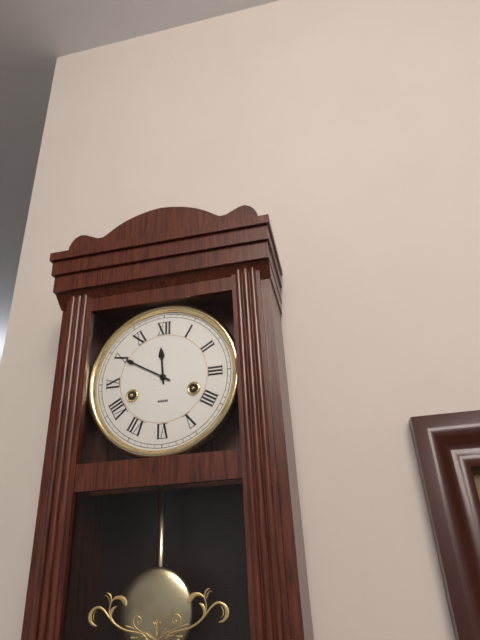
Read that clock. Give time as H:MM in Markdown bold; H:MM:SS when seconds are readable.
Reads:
**11:50**
